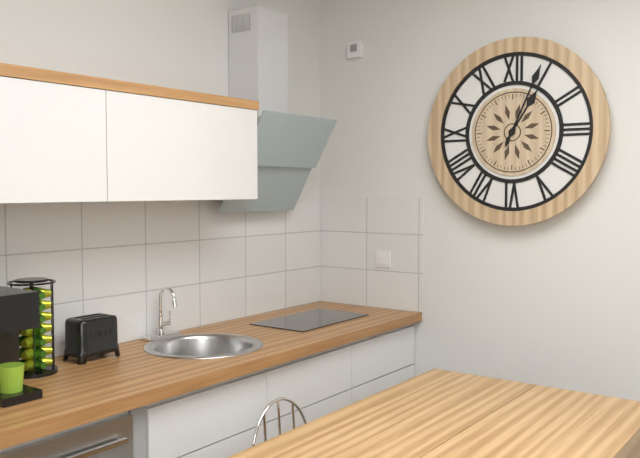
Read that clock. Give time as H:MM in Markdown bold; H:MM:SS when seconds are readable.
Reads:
**1:04**
